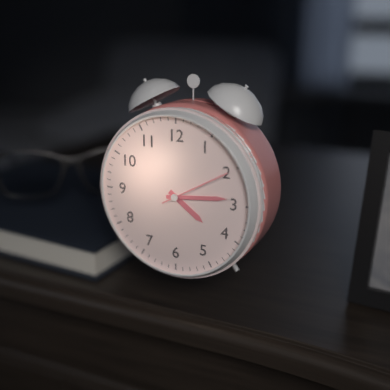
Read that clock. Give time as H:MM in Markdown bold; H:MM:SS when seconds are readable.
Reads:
**4:14:10**
